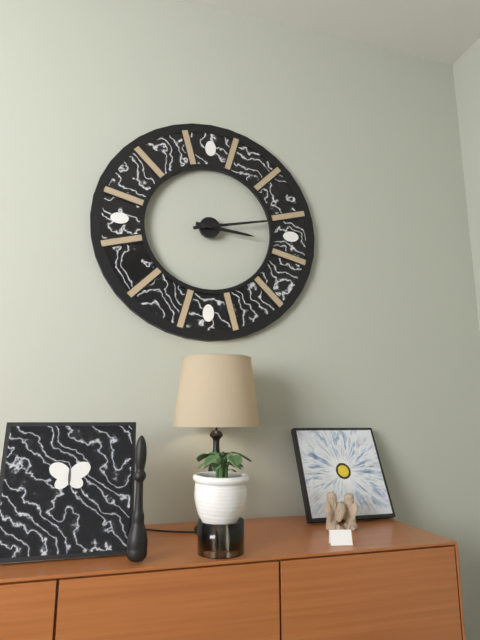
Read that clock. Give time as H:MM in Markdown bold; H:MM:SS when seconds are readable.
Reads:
**3:13**
